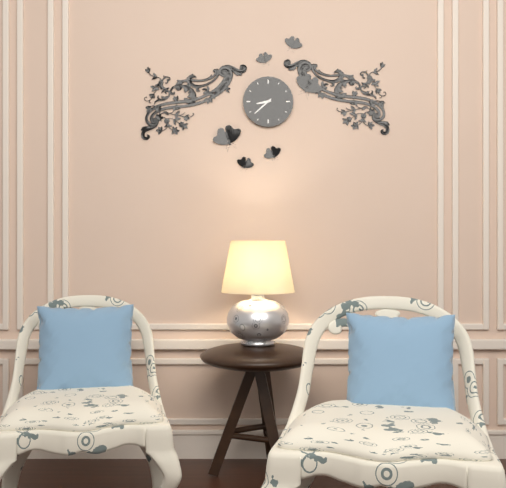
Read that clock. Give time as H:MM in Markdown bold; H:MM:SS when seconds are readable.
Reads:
**8:38**
